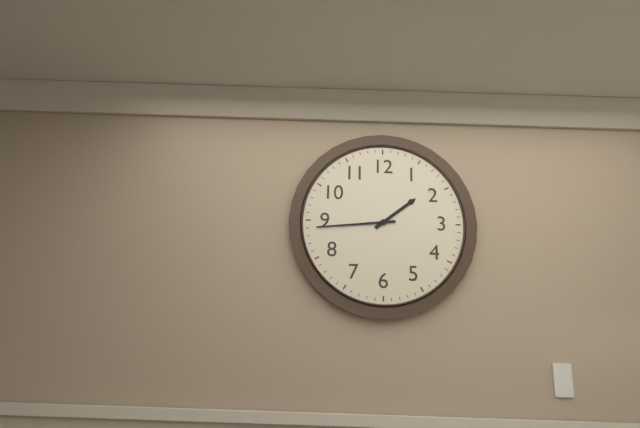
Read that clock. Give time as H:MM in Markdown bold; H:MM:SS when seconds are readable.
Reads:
**1:44**
